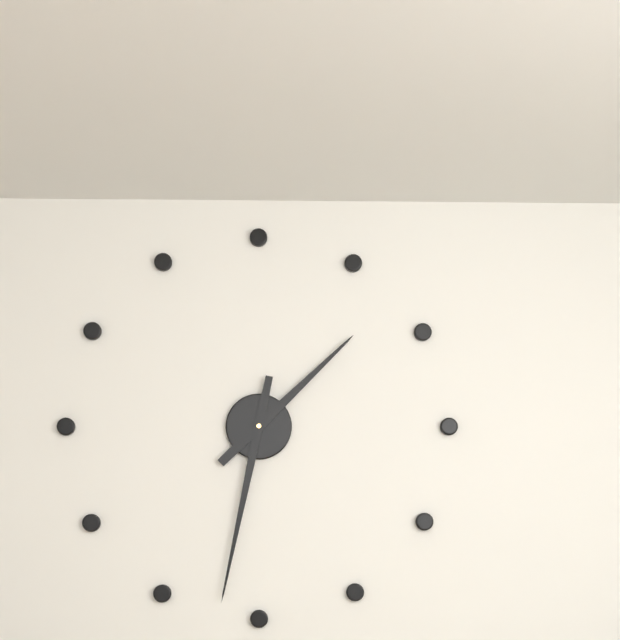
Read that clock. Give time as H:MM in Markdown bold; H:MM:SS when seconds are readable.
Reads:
**1:32**
